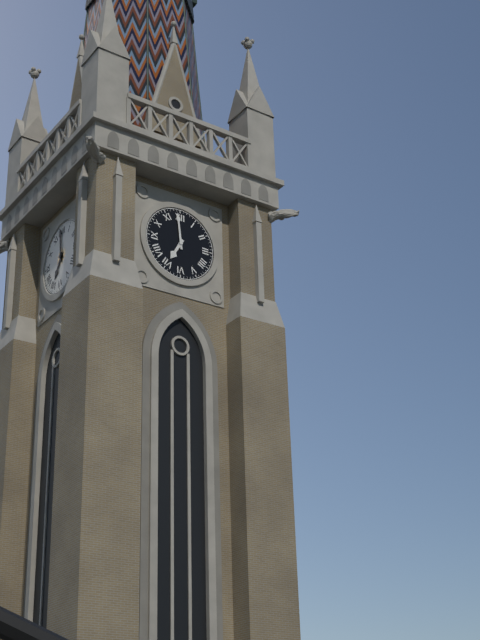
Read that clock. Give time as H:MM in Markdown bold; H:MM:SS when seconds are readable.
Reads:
**6:59**
